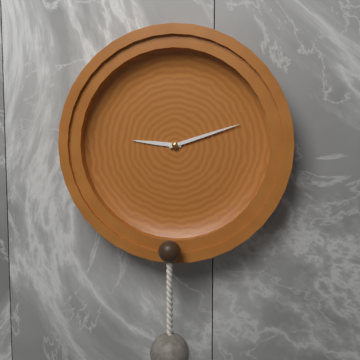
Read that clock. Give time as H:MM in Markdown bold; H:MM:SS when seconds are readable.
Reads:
**9:12**
